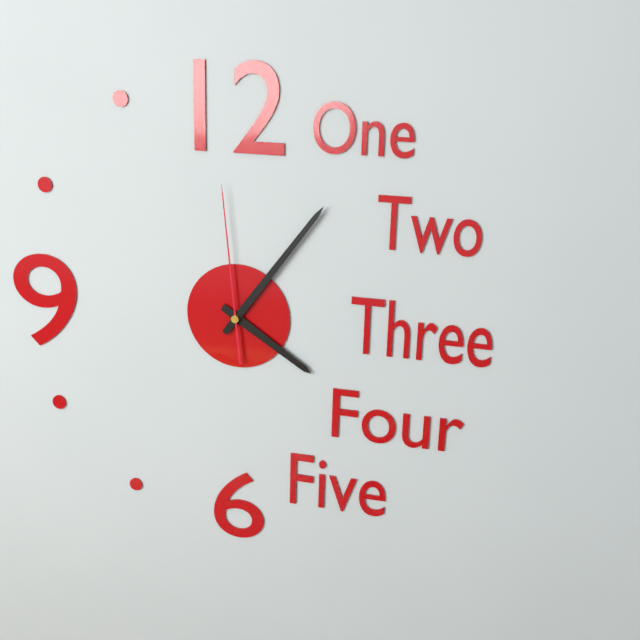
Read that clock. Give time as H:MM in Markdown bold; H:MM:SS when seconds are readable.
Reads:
**4:06:59**
